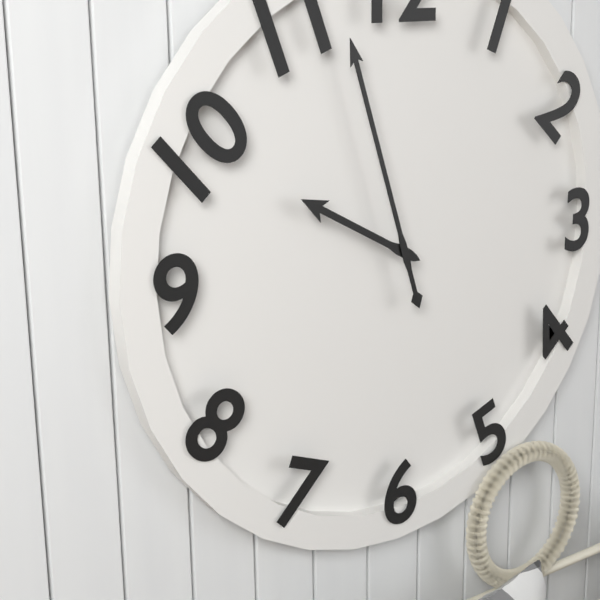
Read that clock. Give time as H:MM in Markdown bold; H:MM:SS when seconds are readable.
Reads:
**9:57**
